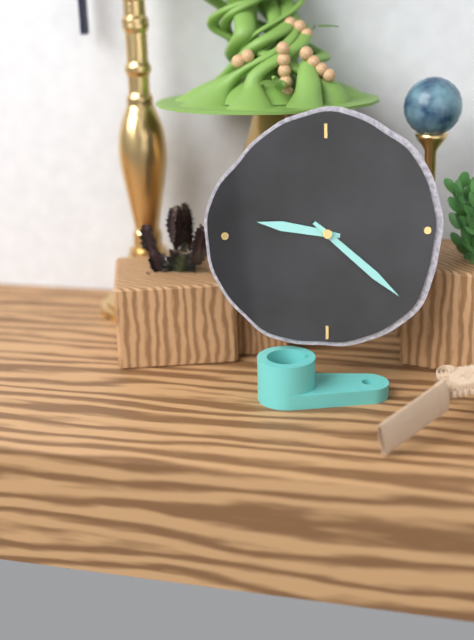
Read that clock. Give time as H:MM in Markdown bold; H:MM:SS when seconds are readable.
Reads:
**9:22**
